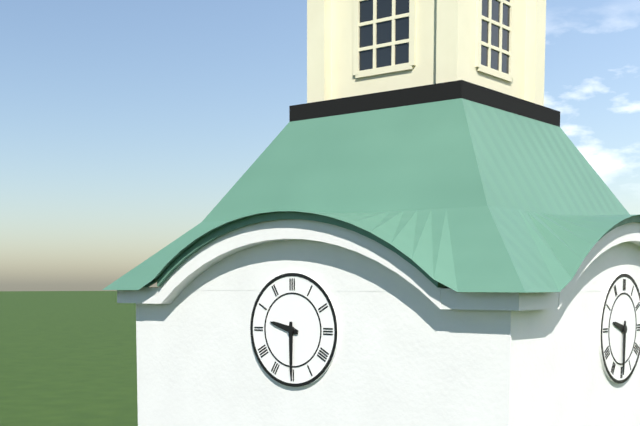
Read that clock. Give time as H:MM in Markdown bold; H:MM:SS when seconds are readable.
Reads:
**9:30**
